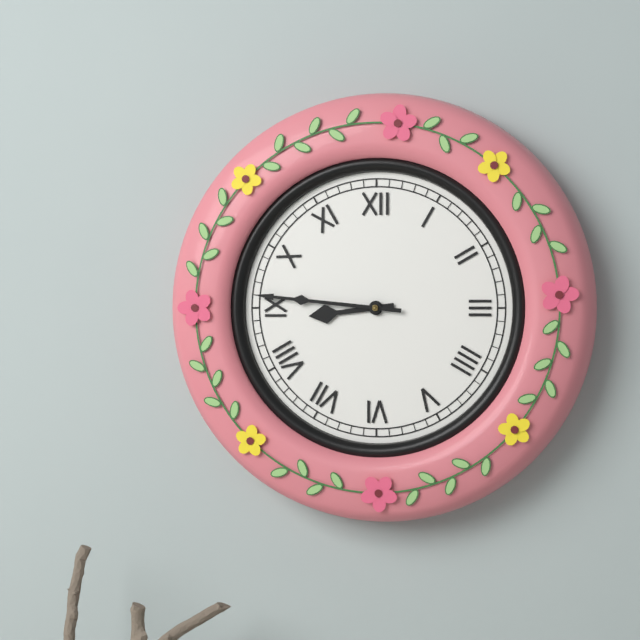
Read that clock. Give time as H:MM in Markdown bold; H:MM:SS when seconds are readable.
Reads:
**8:46**
